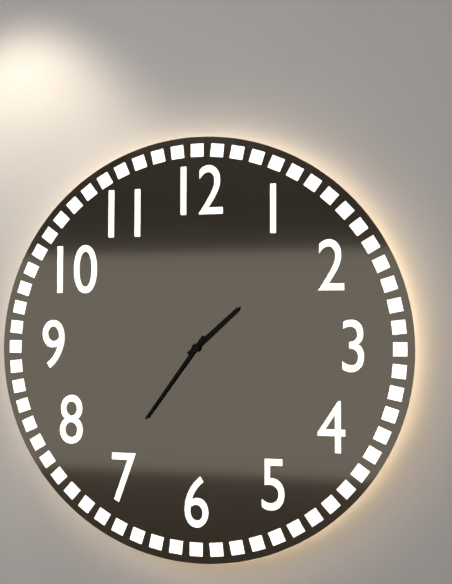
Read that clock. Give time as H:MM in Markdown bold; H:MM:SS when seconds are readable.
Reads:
**1:36**
